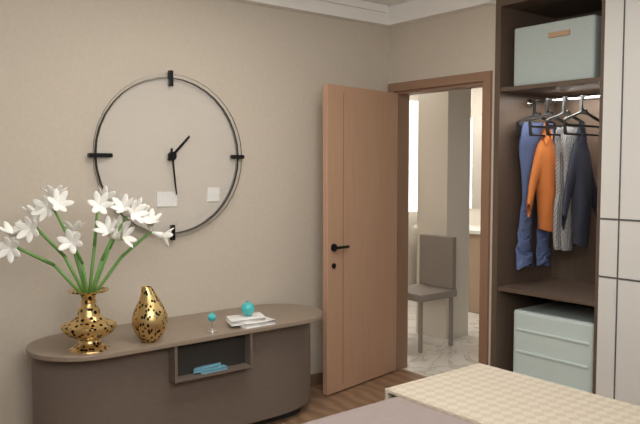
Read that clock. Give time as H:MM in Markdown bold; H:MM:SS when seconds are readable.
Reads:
**1:29**
